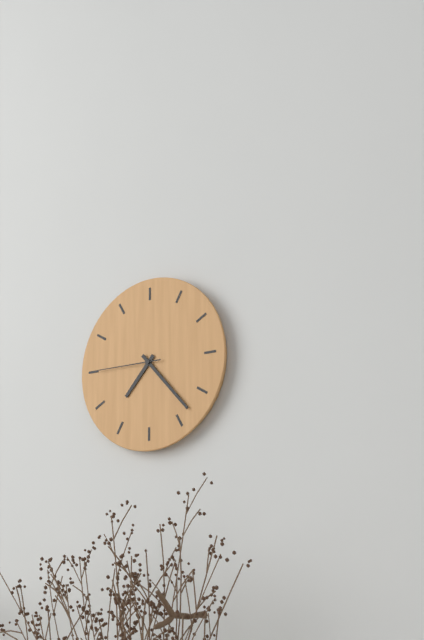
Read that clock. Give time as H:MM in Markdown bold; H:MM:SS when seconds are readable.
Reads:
**7:23:45**
